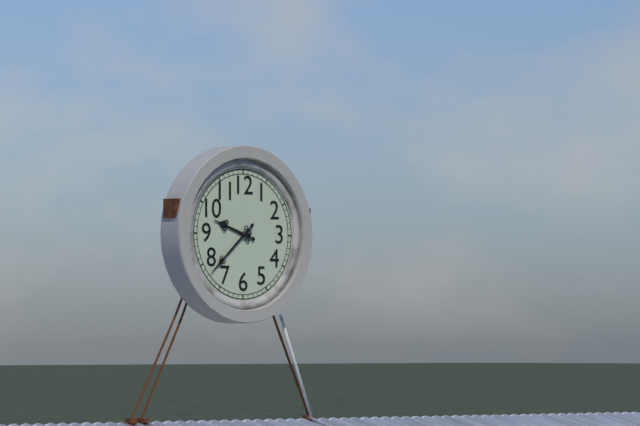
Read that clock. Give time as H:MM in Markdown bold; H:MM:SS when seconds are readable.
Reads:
**9:38**
